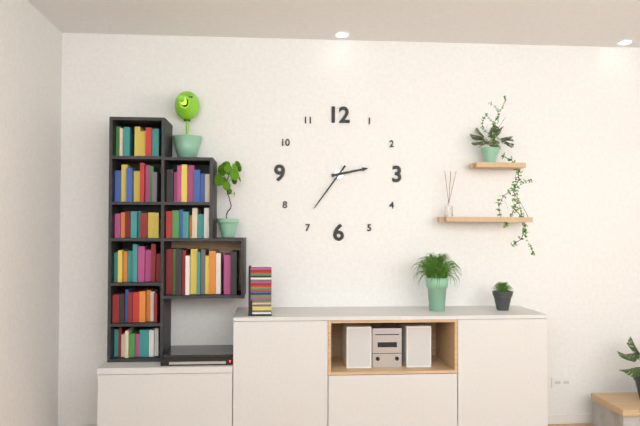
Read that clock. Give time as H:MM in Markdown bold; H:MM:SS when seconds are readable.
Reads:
**2:36**
